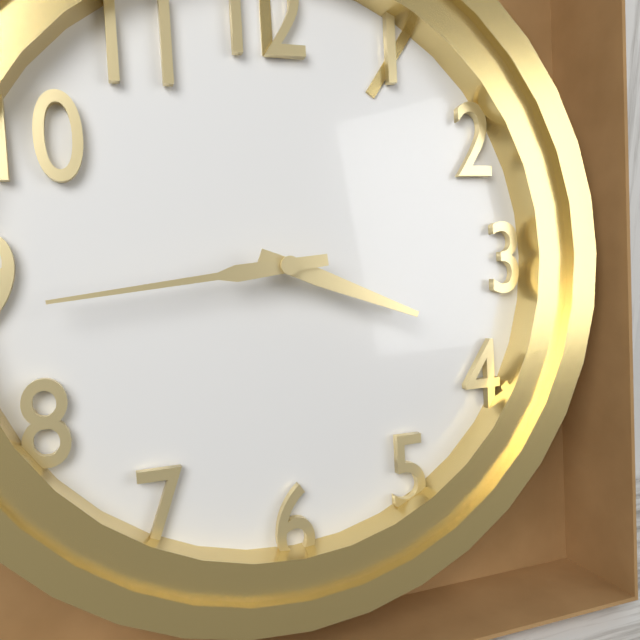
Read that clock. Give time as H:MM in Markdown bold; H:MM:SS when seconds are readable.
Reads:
**3:44**
